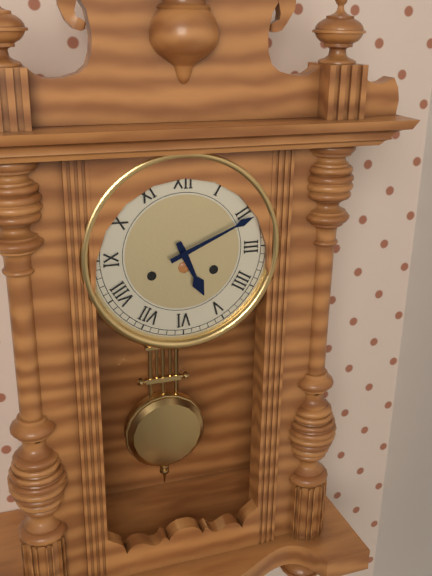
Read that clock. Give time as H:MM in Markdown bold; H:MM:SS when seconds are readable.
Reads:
**5:11**
